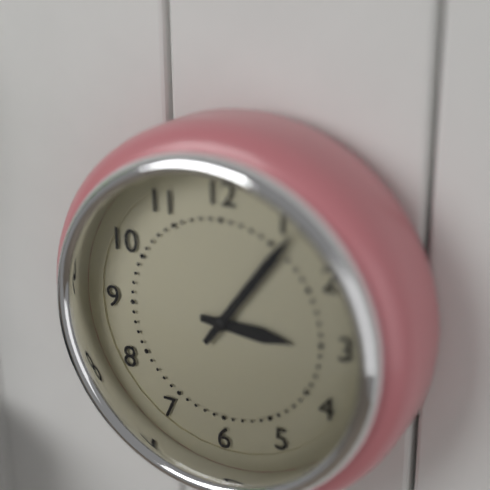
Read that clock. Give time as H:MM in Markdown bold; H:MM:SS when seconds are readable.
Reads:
**3:06**
